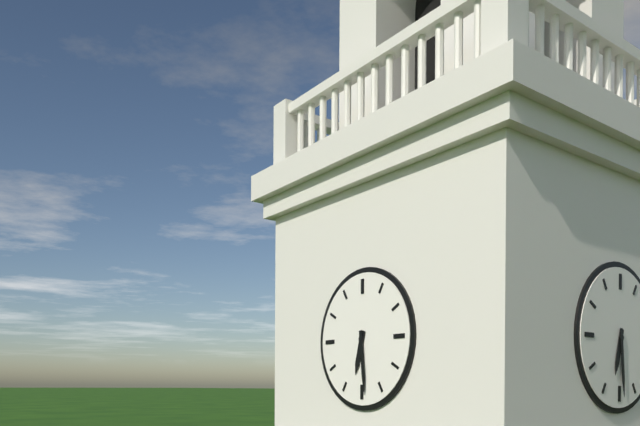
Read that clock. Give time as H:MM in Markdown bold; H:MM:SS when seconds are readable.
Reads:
**6:29**
